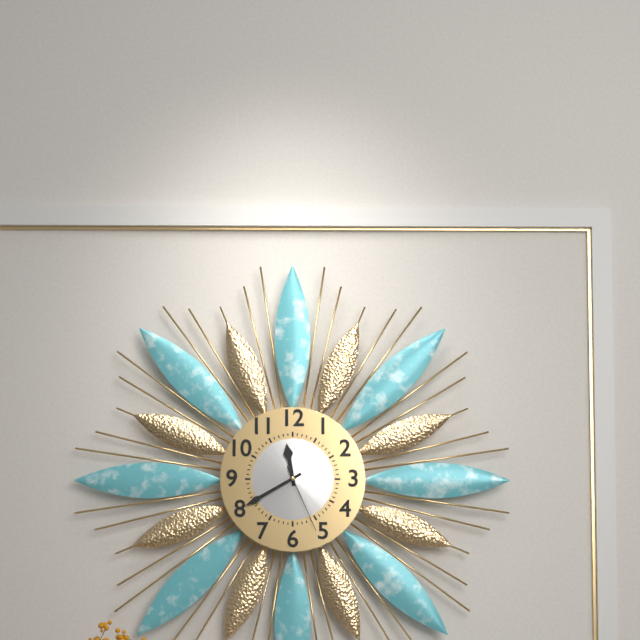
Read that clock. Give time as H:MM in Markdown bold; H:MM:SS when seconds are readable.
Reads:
**11:40:26**
